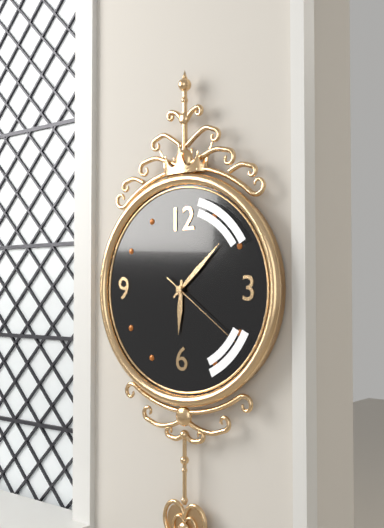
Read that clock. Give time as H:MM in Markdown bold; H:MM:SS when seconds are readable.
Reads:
**6:08:21**
